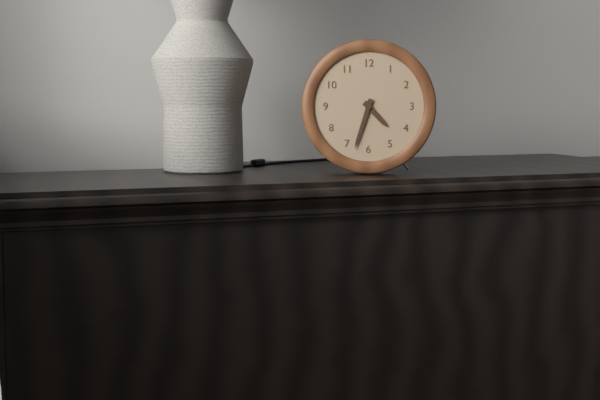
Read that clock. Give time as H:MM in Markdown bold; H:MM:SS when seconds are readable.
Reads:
**4:33**
